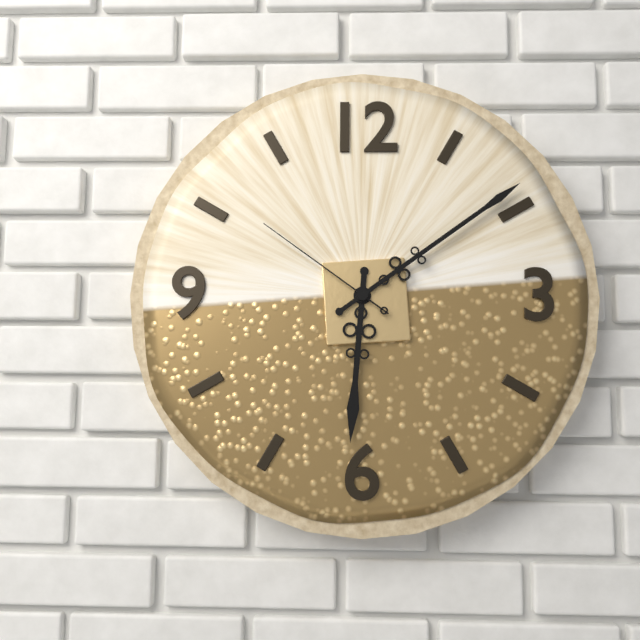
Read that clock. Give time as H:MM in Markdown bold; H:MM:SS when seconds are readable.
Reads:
**6:09:51**
